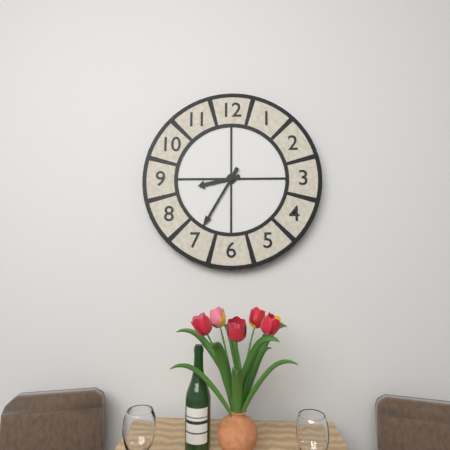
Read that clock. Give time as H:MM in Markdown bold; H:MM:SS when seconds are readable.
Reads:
**8:35**
